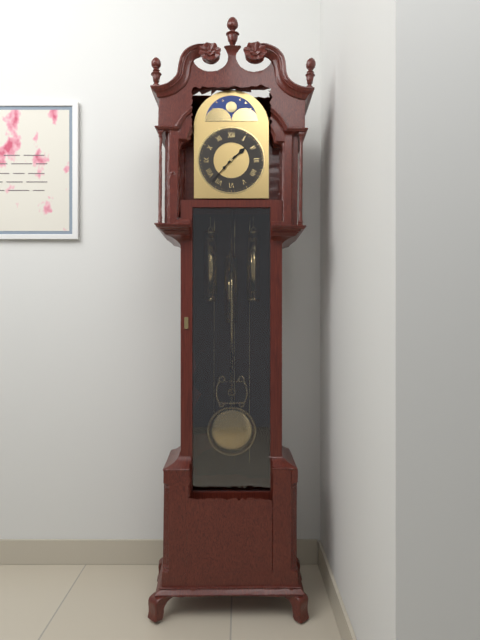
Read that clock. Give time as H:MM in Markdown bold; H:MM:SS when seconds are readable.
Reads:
**1:37**
